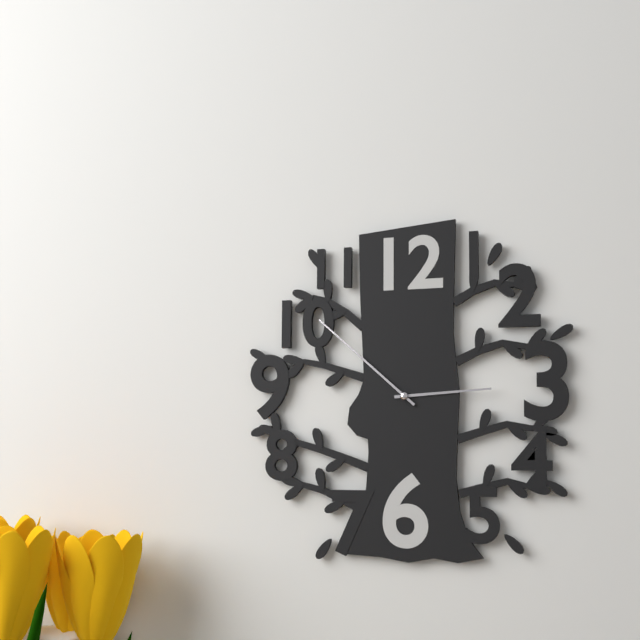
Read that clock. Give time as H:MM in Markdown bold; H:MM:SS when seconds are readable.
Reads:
**2:52**
